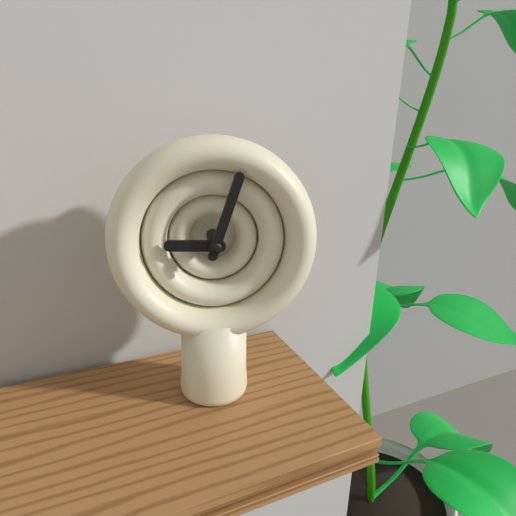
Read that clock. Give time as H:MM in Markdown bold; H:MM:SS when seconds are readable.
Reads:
**9:03**
